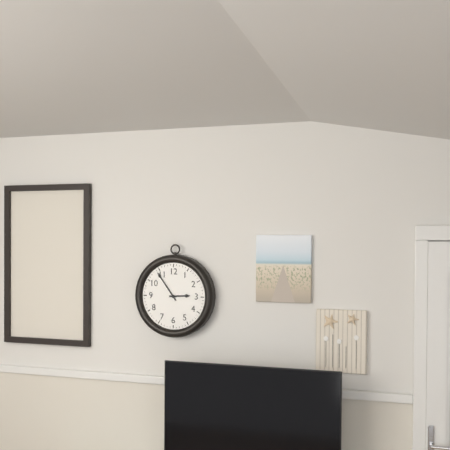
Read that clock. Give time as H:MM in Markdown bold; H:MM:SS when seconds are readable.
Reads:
**2:54**
